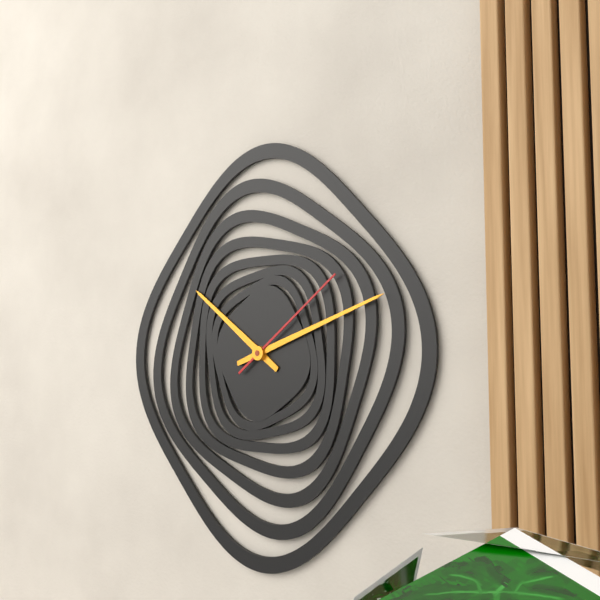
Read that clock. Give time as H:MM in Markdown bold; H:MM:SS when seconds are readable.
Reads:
**10:12:09**
